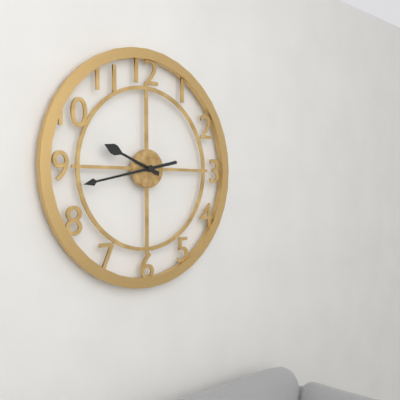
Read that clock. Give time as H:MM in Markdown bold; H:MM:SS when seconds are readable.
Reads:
**9:43**
